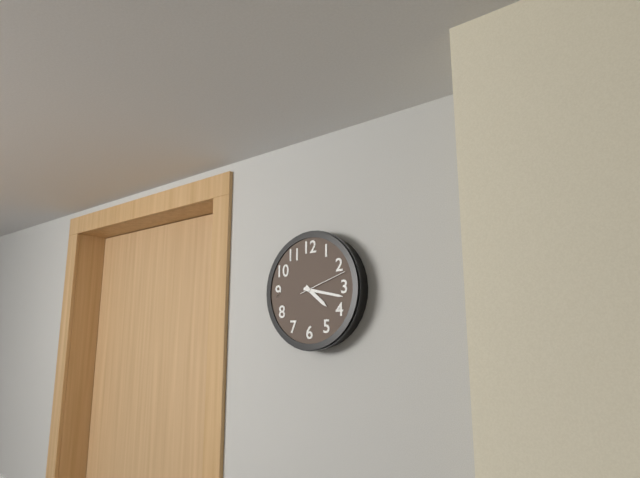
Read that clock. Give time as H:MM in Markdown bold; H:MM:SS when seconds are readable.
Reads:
**4:17**
